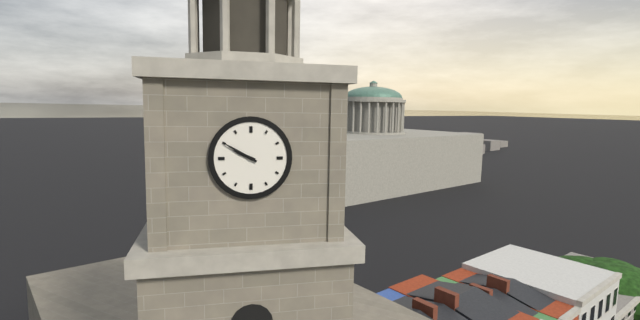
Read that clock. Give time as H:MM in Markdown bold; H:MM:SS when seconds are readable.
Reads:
**9:50**
